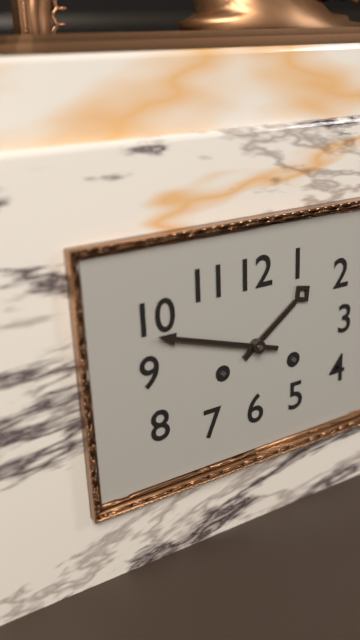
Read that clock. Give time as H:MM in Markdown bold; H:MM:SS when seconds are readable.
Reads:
**1:48**
